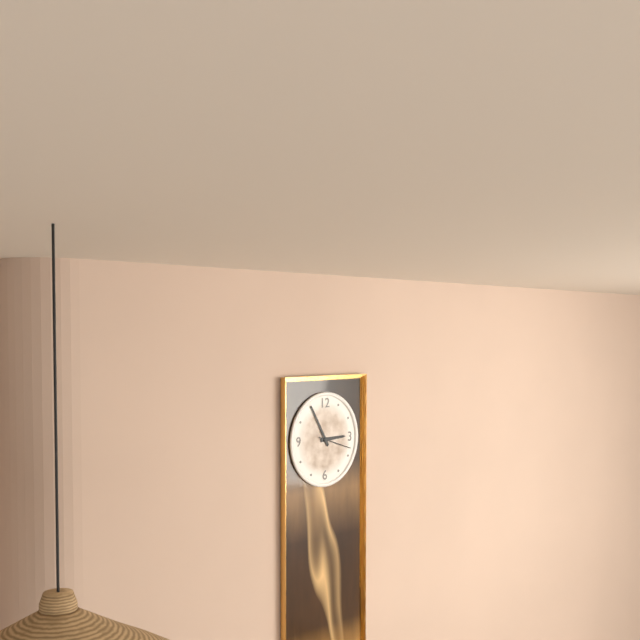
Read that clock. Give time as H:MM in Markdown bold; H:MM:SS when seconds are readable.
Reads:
**2:55**
